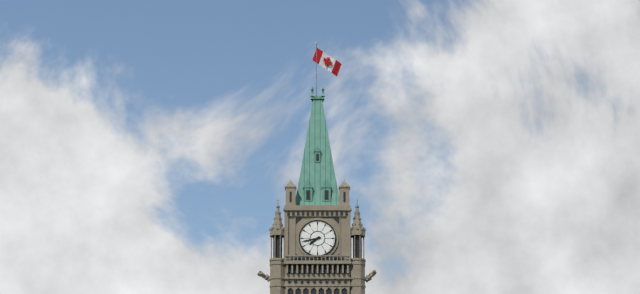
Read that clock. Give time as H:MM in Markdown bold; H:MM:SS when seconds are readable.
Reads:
**7:43**
